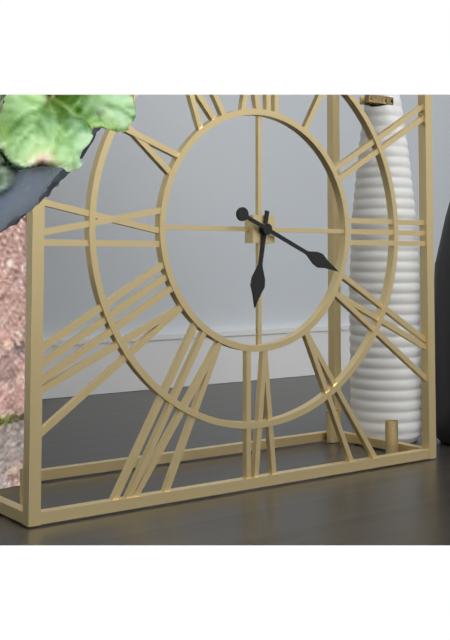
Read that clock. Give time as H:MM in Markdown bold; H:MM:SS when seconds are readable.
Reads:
**6:19**
